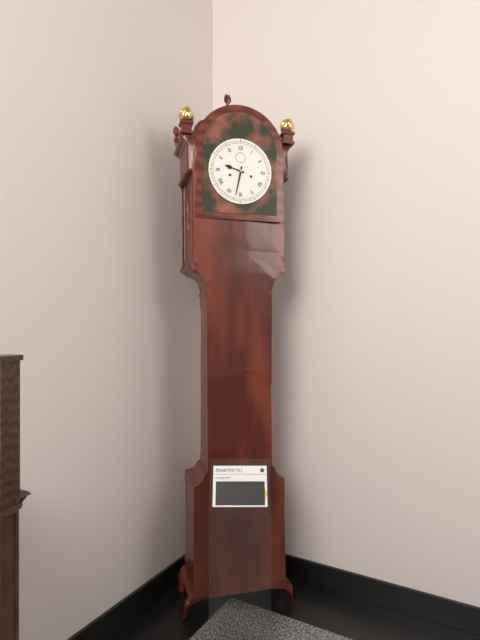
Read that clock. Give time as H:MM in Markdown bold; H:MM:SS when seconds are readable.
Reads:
**9:32**
